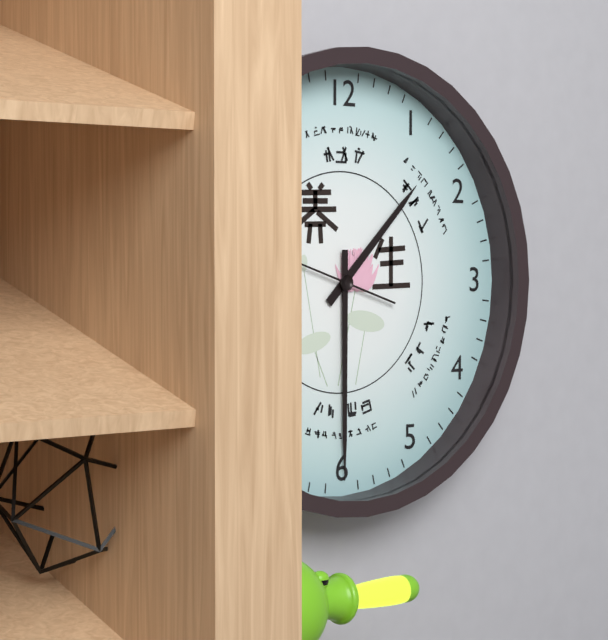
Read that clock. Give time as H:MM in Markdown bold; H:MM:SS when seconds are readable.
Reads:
**1:30**
